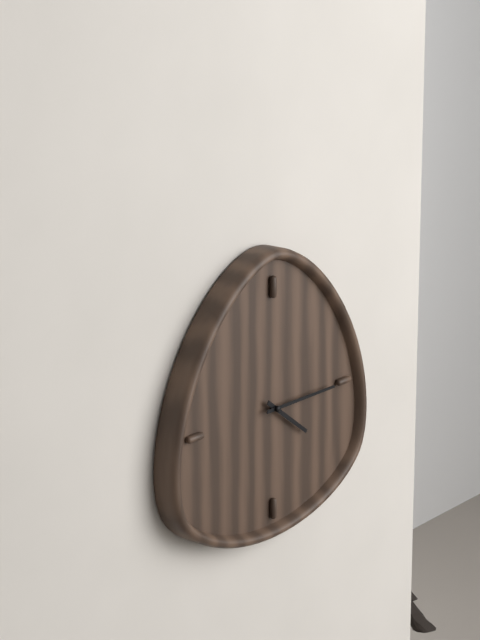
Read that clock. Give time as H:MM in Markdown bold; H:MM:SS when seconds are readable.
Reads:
**4:15**
